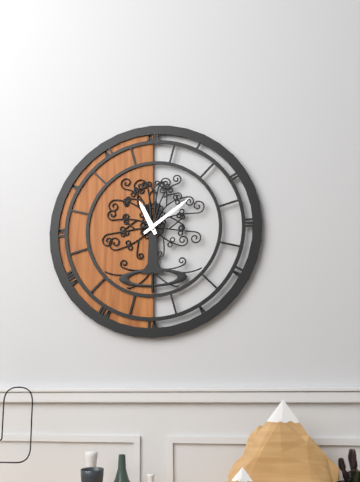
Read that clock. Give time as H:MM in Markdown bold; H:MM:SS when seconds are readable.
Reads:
**11:09**
